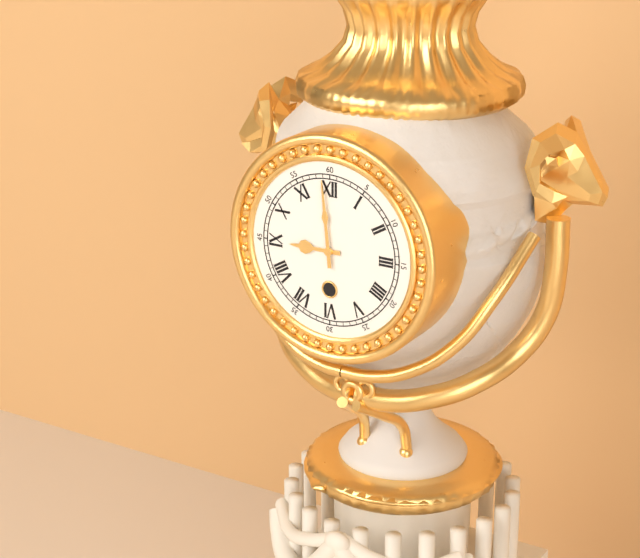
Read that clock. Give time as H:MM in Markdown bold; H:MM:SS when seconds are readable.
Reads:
**8:59**
